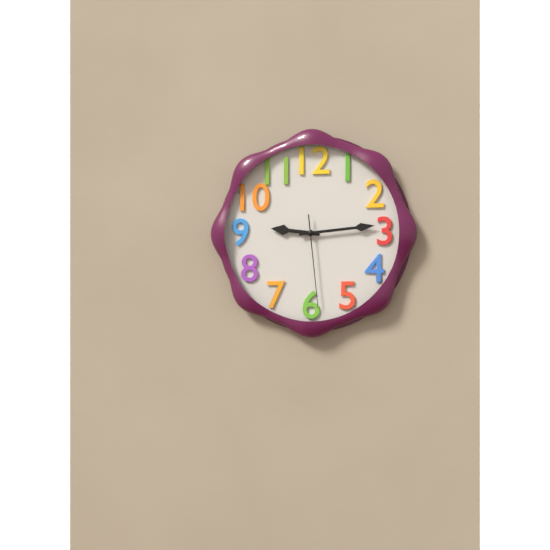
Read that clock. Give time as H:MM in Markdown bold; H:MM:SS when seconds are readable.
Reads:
**9:14:29**
